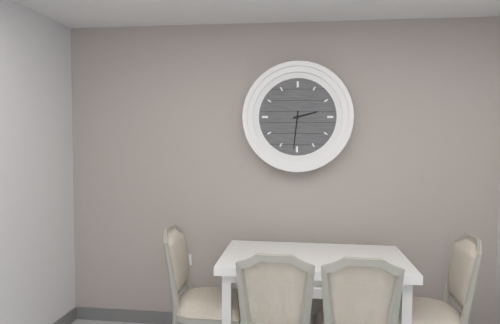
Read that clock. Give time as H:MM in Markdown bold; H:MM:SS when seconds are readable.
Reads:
**2:31**
